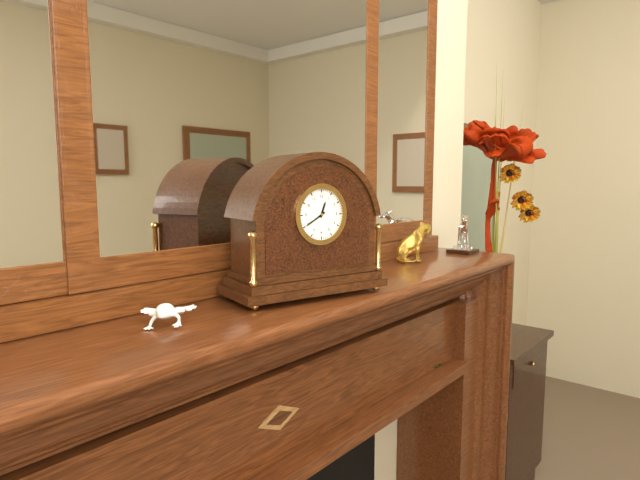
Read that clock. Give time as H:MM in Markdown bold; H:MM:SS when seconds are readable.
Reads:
**12:40**
